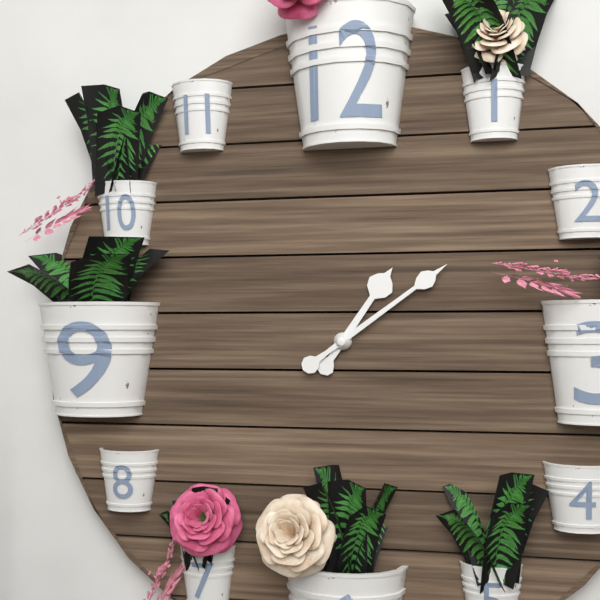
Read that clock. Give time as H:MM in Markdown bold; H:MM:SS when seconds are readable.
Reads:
**1:09**
